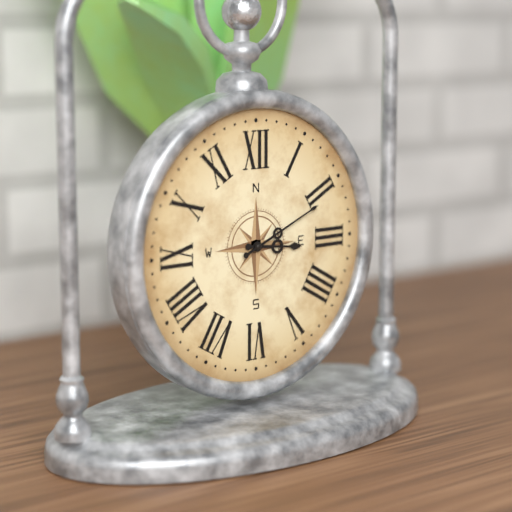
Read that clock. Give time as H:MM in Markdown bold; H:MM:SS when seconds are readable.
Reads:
**3:11**
